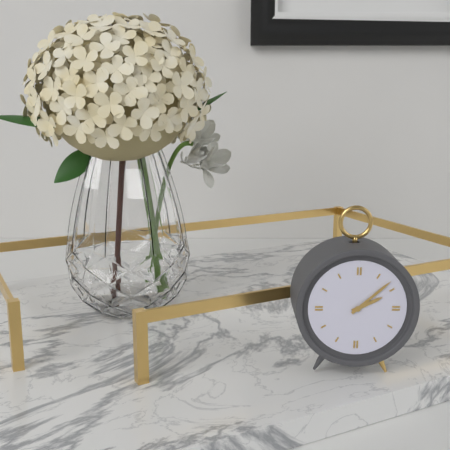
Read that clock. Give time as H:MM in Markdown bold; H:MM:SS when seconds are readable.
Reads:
**2:08**
